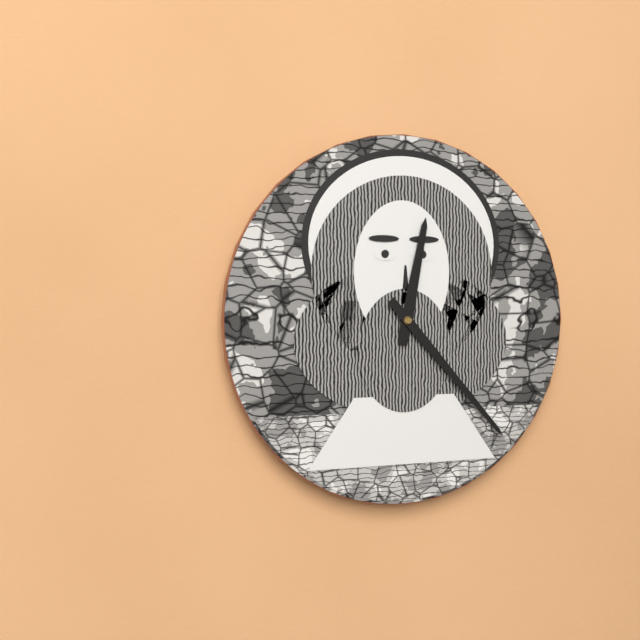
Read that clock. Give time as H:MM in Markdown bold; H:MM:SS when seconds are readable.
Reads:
**12:23**
